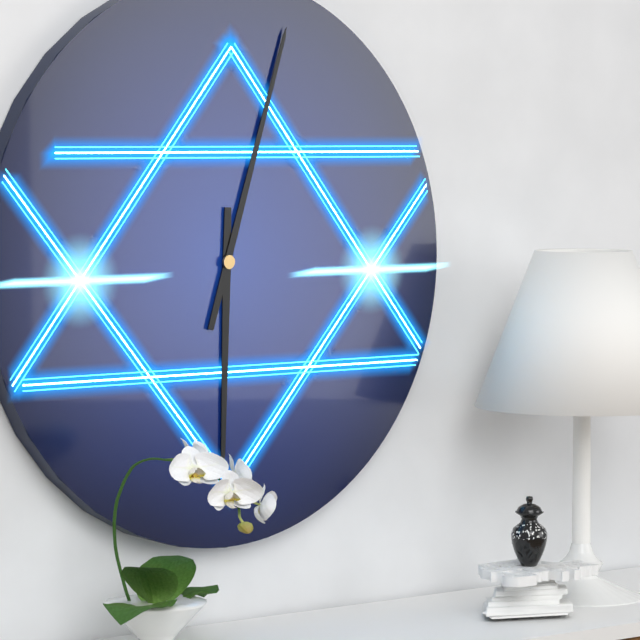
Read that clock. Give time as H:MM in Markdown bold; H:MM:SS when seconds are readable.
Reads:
**6:03**
